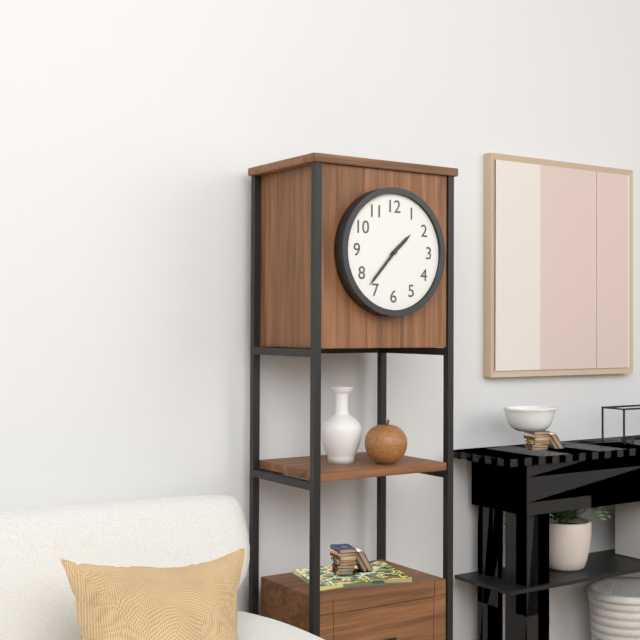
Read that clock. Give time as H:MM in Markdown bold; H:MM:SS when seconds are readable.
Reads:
**1:37**
